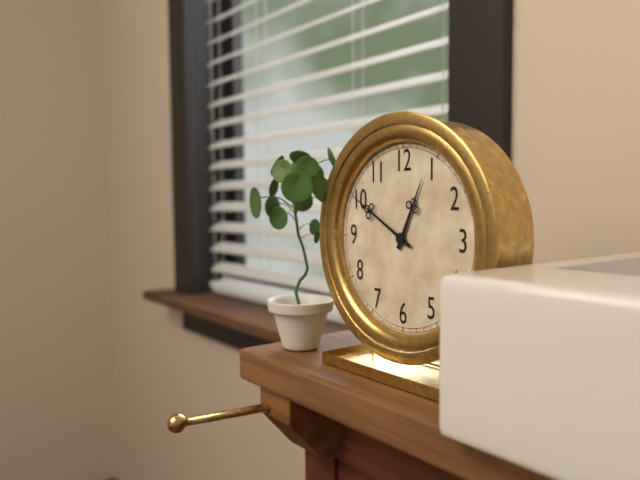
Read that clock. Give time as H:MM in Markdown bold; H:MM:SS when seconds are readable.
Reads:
**12:50**
